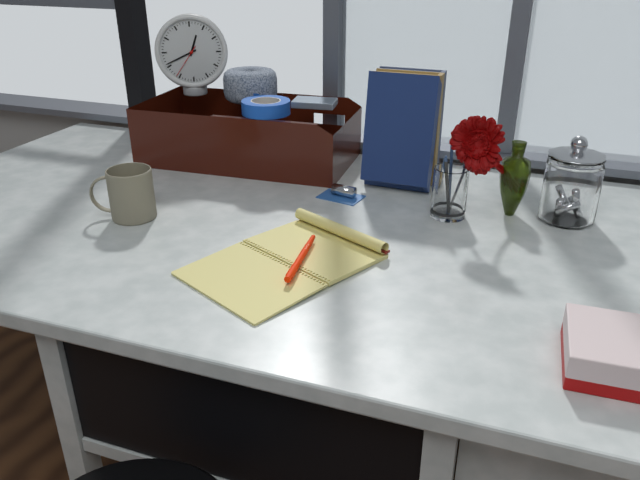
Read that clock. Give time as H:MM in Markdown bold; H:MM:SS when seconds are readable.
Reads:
**12:41**
